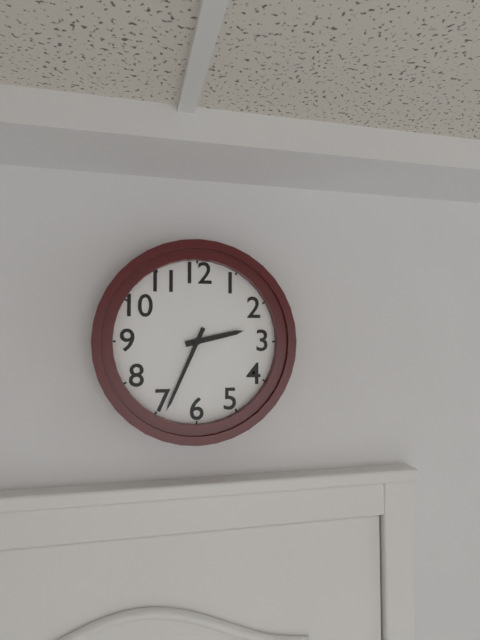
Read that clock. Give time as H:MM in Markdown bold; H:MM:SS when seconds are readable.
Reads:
**2:34**
